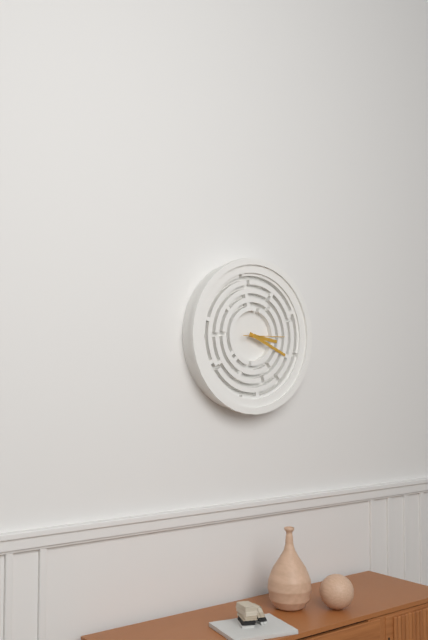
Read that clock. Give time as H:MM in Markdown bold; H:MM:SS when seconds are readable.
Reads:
**3:19:15**
